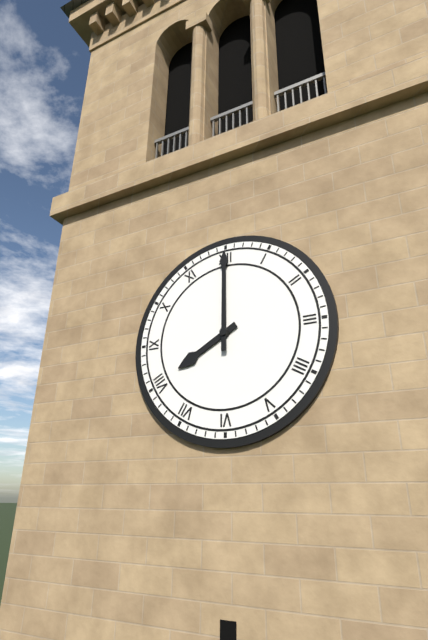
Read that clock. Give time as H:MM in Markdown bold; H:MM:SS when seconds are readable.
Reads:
**8:00**
